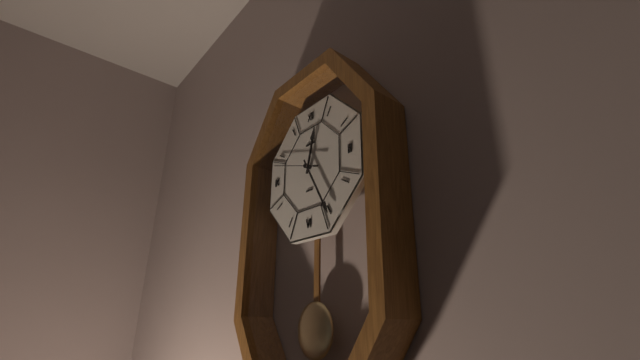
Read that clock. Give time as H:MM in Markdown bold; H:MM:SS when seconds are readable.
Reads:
**12:25:48**
